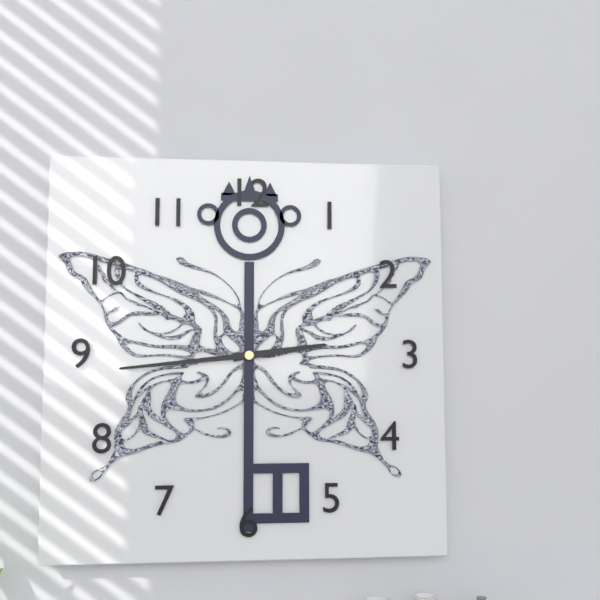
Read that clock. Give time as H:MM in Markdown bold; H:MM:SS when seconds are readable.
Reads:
**2:44**
